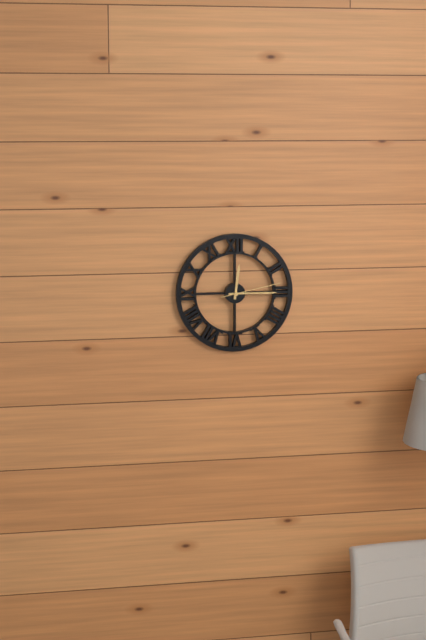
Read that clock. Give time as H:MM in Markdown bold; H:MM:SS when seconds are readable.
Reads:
**12:15:13**
